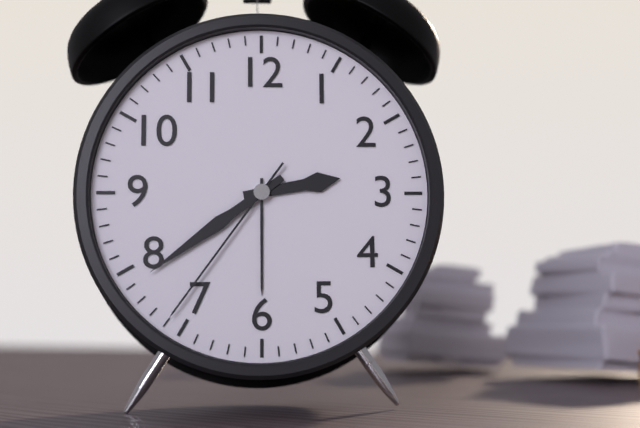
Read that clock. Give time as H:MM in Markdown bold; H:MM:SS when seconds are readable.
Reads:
**2:39:36**
